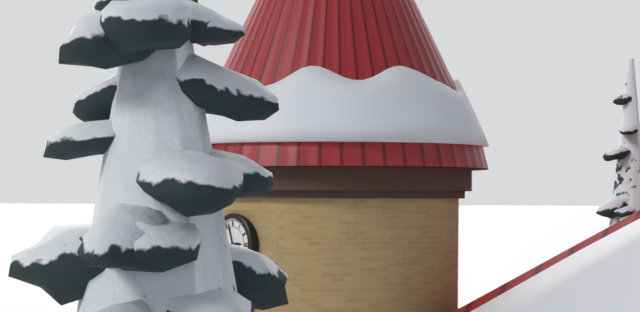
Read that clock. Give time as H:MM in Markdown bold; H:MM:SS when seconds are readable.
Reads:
**2:57**
